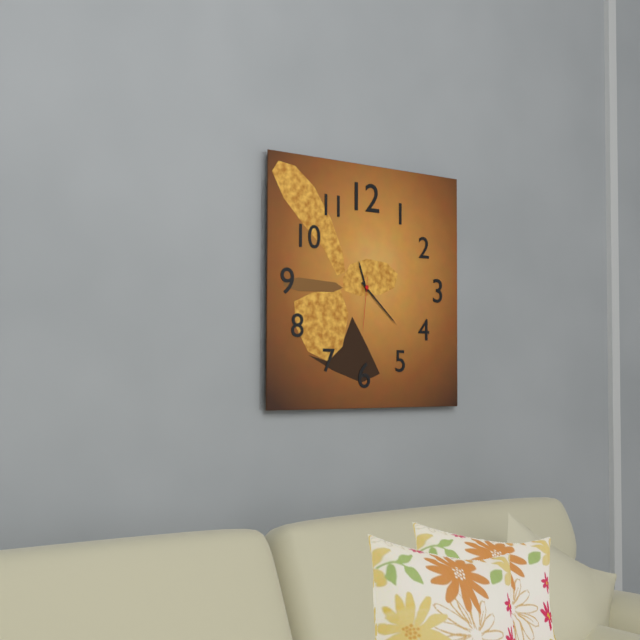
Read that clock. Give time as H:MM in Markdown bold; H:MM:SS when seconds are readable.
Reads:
**11:22:31**
